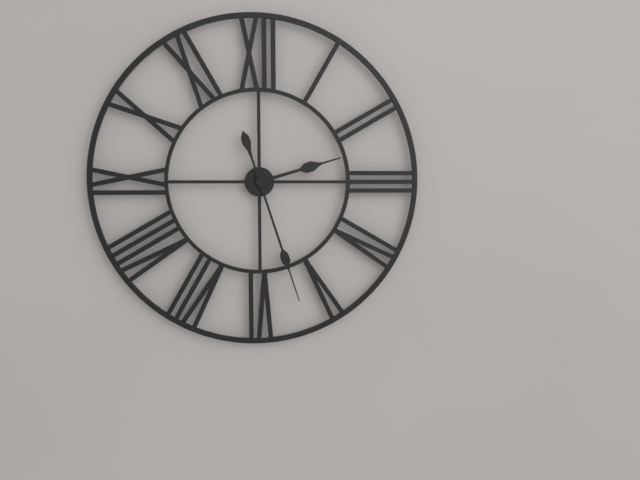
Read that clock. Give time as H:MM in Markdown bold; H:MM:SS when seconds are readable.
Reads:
**2:27**
